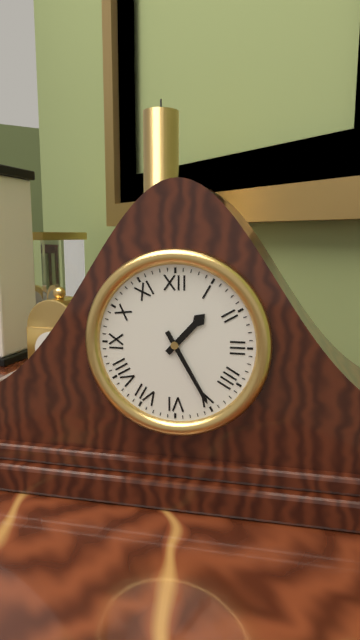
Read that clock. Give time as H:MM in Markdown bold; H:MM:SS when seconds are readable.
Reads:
**1:25**
